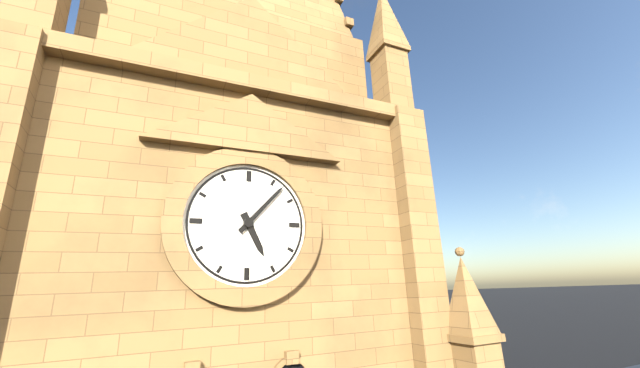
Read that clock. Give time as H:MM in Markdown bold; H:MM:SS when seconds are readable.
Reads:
**5:07**
